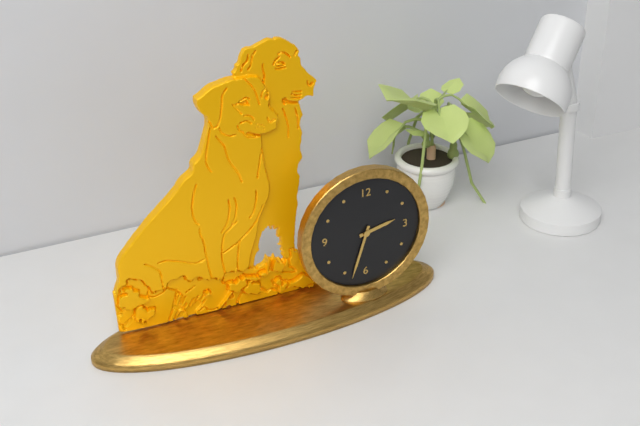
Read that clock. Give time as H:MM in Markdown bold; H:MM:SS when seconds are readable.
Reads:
**2:33**
